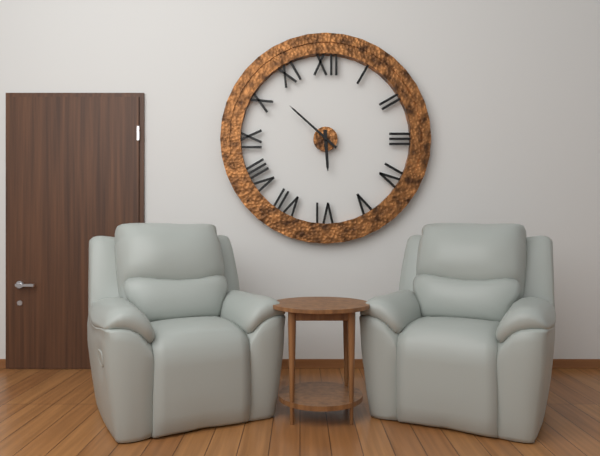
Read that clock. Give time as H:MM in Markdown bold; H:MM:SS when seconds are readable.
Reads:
**5:52**
